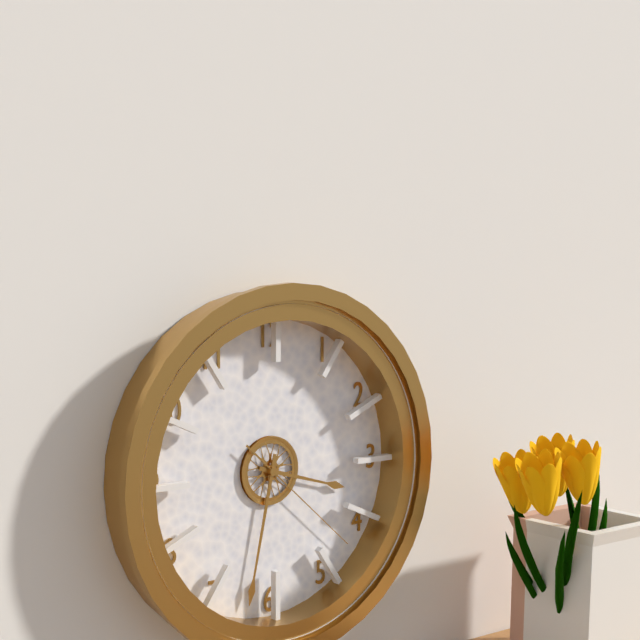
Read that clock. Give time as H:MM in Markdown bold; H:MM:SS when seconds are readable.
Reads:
**3:32:22**
